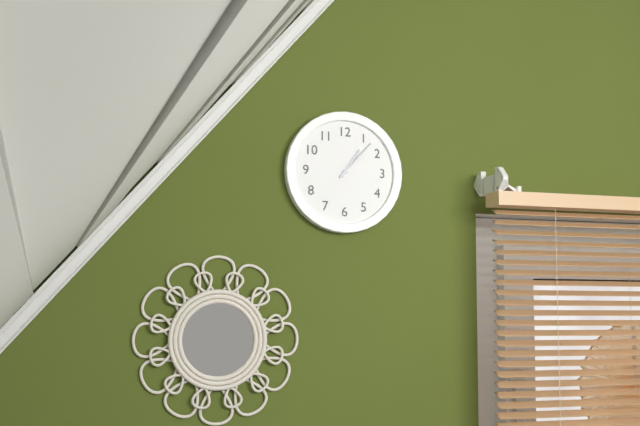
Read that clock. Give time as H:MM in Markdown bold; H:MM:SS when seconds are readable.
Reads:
**1:07**
